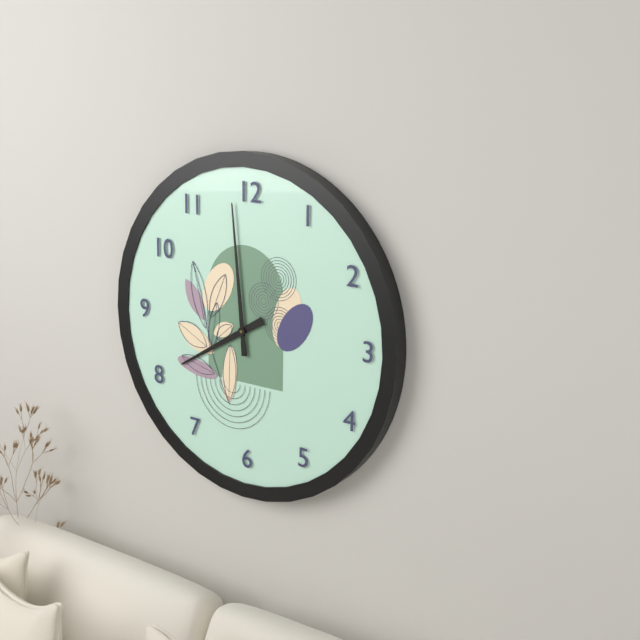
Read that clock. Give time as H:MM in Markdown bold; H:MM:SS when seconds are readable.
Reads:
**7:59**
